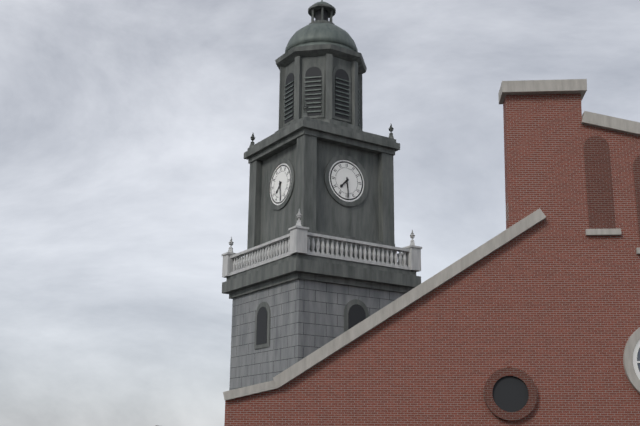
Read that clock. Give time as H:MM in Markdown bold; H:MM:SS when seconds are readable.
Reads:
**7:29**
